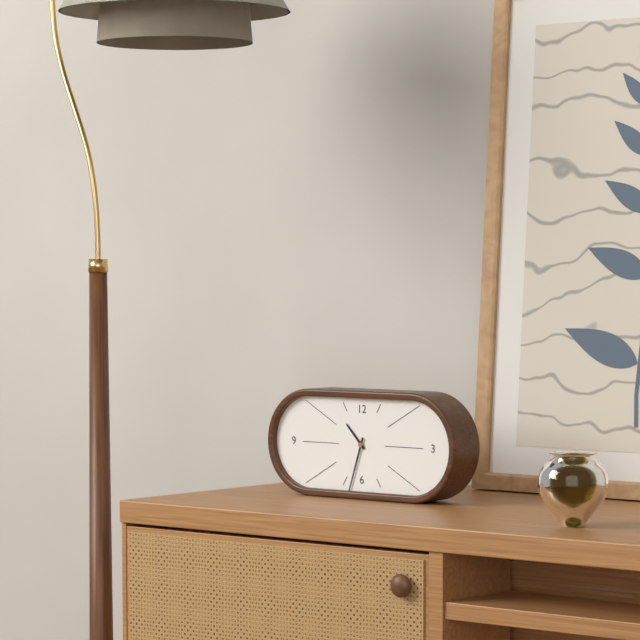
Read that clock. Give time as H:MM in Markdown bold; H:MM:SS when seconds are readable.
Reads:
**10:33**
